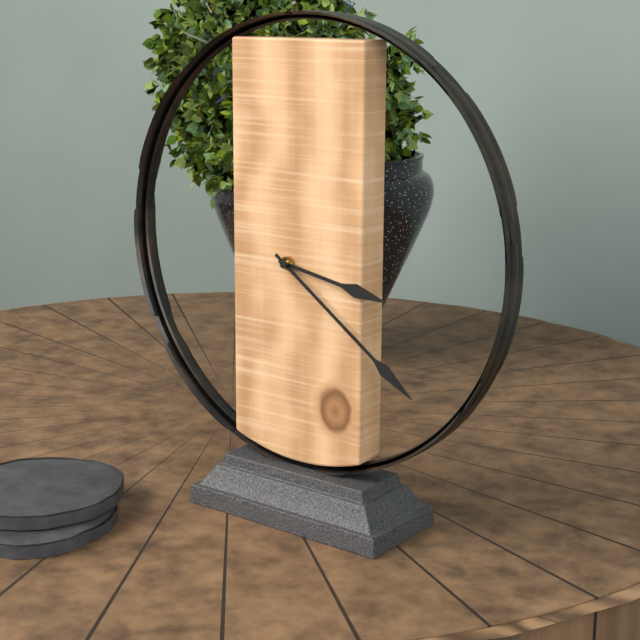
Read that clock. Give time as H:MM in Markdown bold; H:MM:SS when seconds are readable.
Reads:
**3:21**
